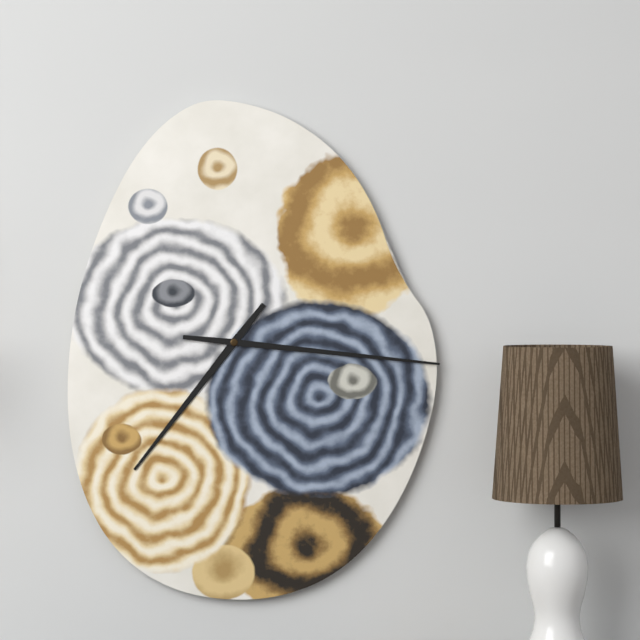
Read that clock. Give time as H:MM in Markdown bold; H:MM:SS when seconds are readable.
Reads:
**7:16**
